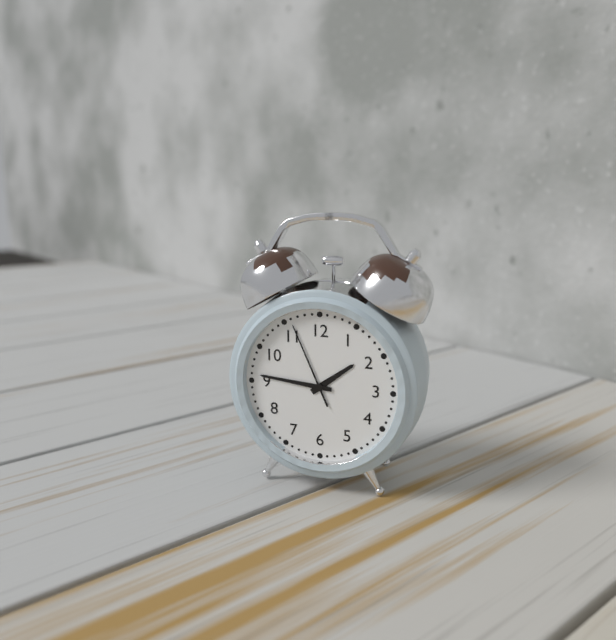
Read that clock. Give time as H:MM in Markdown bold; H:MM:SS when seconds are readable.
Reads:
**1:46:56**
